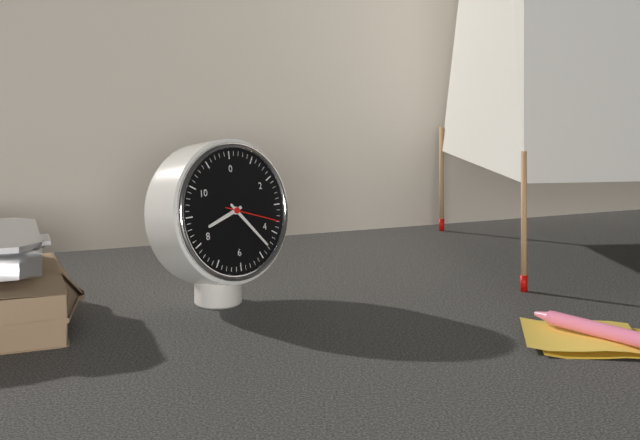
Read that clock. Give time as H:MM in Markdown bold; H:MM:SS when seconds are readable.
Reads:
**8:23:18**
